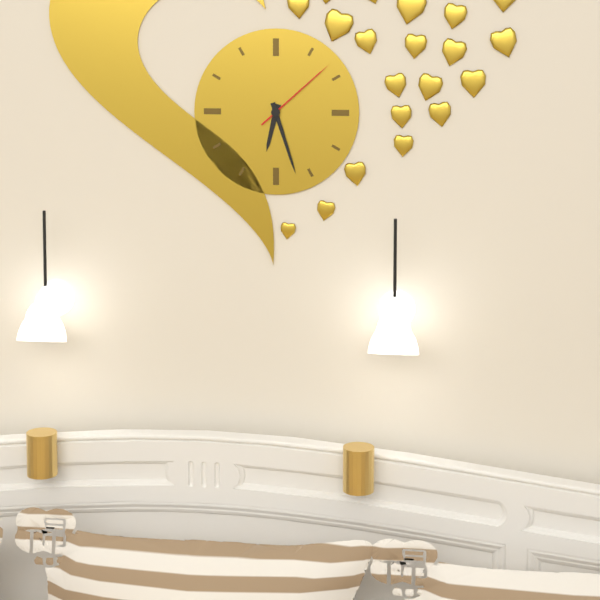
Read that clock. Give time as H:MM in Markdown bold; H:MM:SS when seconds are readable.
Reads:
**6:27:08**
